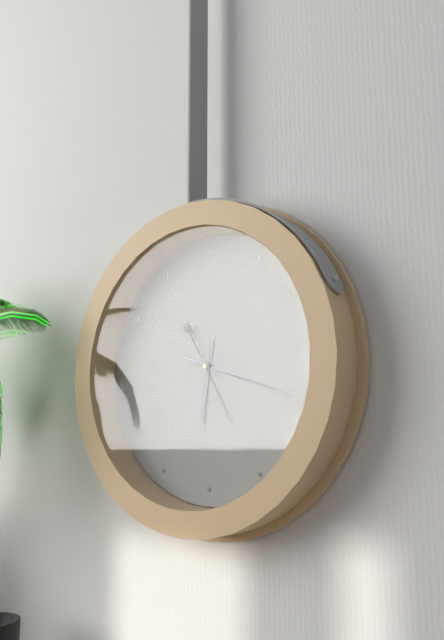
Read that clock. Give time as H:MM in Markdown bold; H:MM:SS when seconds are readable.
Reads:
**6:18:25**
